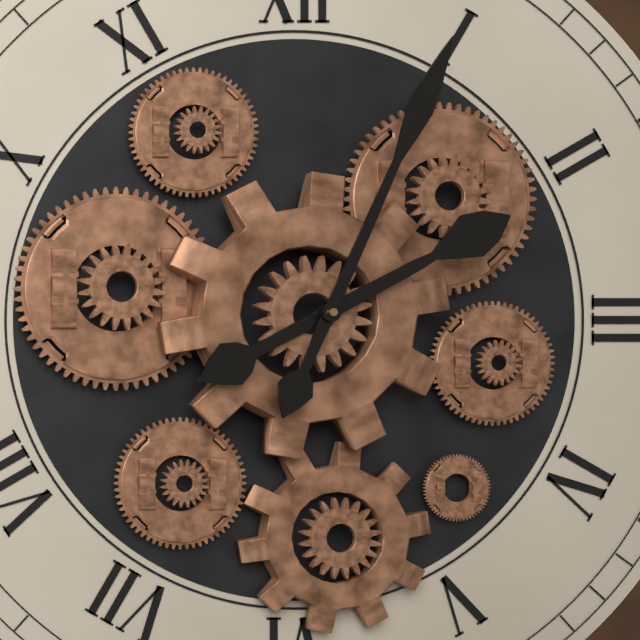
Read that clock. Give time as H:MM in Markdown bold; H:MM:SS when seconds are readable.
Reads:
**2:04**
